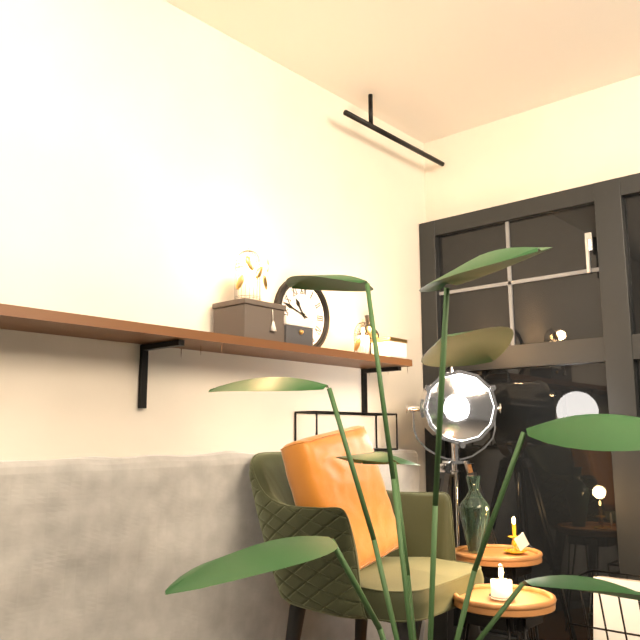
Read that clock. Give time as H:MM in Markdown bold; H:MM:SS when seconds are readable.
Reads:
**10:48**
